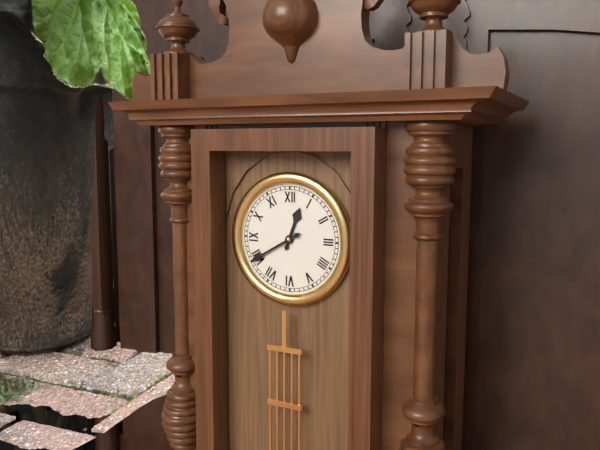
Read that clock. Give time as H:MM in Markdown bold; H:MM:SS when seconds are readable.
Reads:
**12:40**
